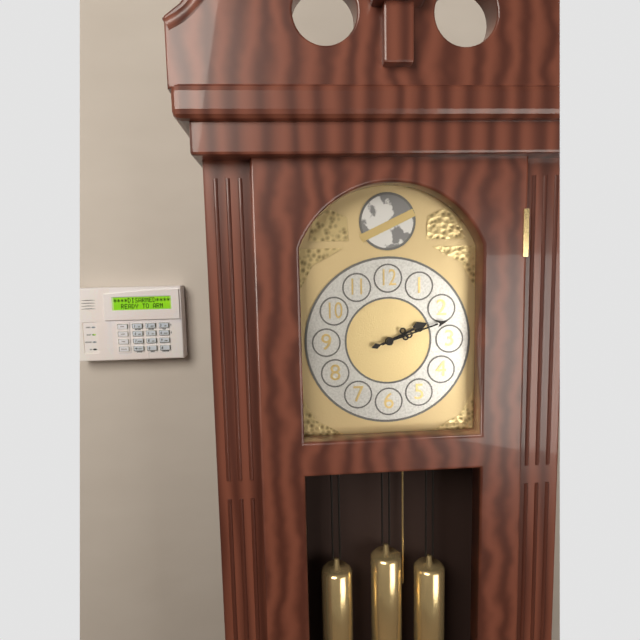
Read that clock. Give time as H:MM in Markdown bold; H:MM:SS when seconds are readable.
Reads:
**2:12**
